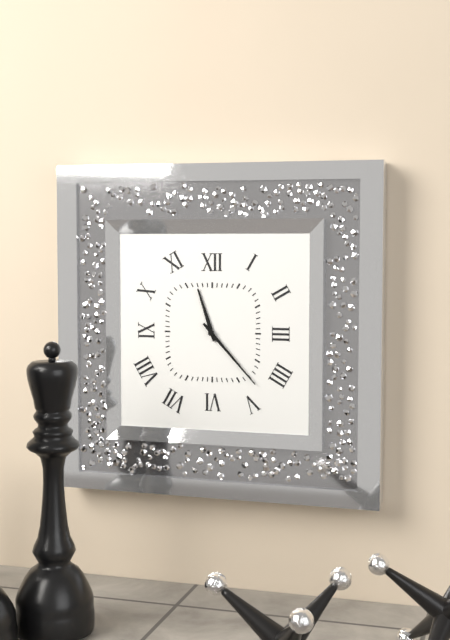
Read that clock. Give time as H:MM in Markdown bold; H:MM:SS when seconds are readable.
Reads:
**11:23**
